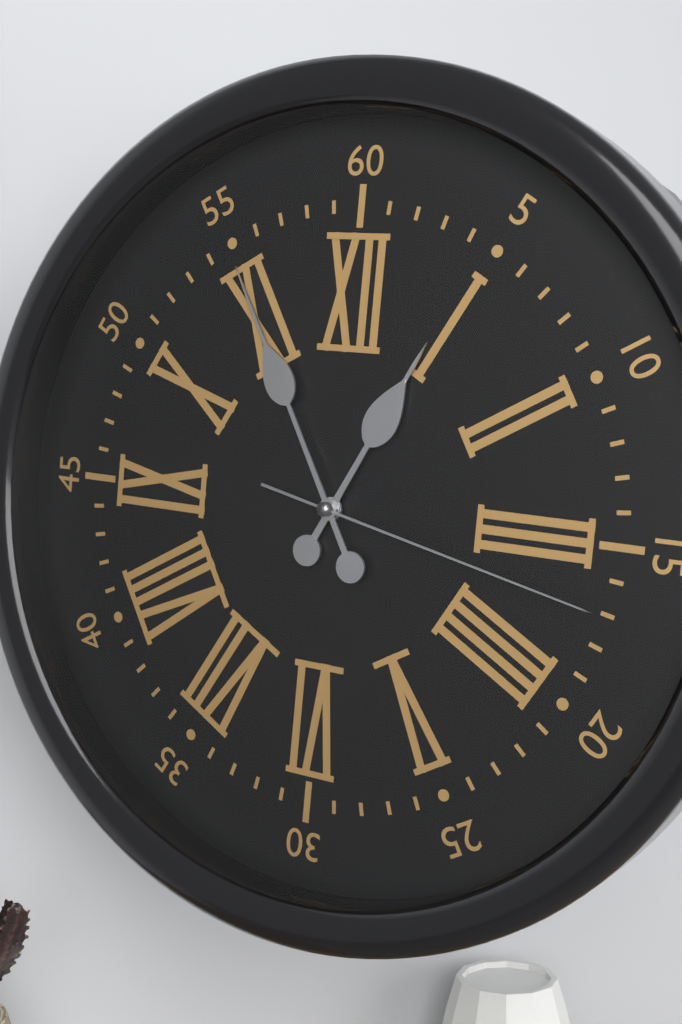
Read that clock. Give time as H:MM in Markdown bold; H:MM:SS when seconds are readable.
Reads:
**12:55:17**
